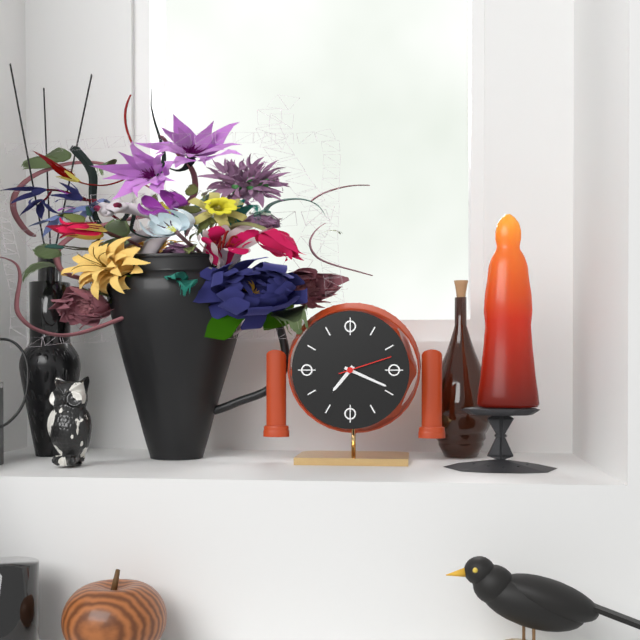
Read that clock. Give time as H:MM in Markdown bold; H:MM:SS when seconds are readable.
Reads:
**7:19:12**
